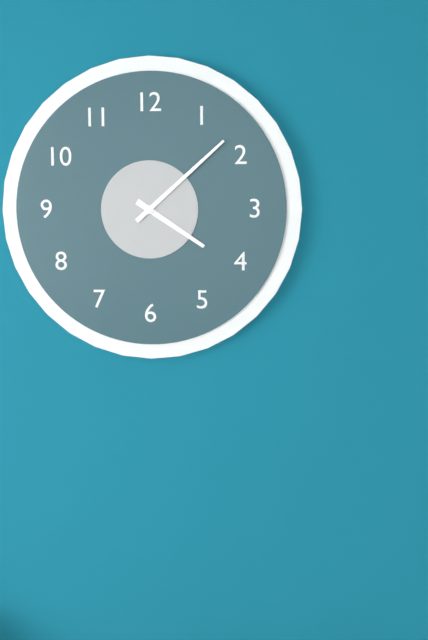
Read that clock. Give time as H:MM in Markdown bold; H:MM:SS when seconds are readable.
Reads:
**4:08**
